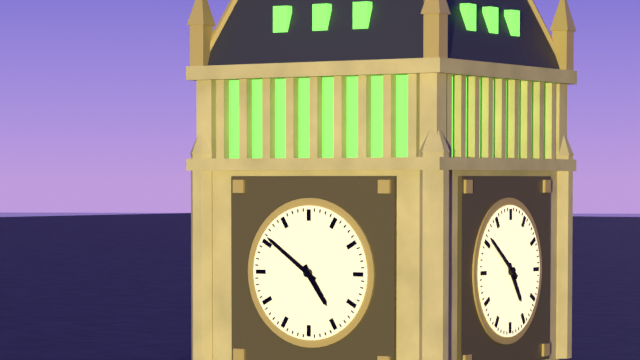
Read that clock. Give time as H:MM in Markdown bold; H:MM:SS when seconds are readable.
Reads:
**4:51**
